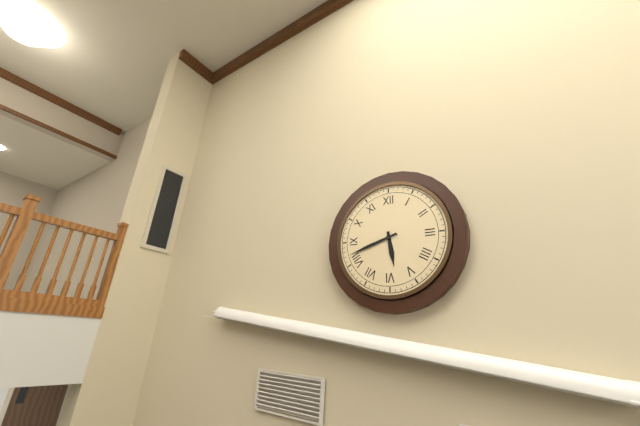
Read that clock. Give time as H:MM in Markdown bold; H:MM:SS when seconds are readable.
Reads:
**5:42**
